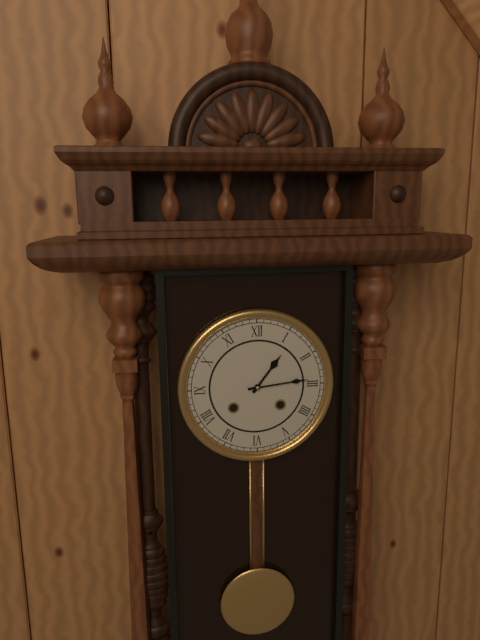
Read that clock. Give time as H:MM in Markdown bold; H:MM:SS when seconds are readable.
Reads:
**1:14**
